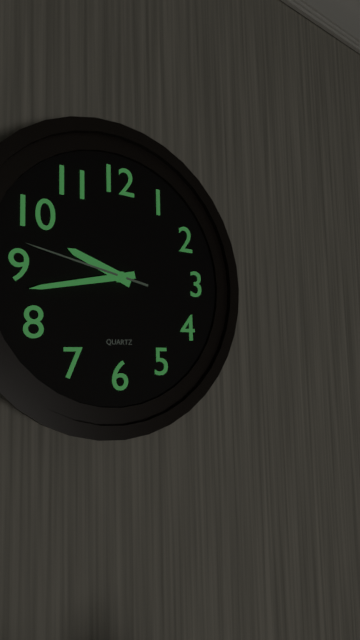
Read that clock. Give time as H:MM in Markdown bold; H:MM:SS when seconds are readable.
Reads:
**9:43:47**
